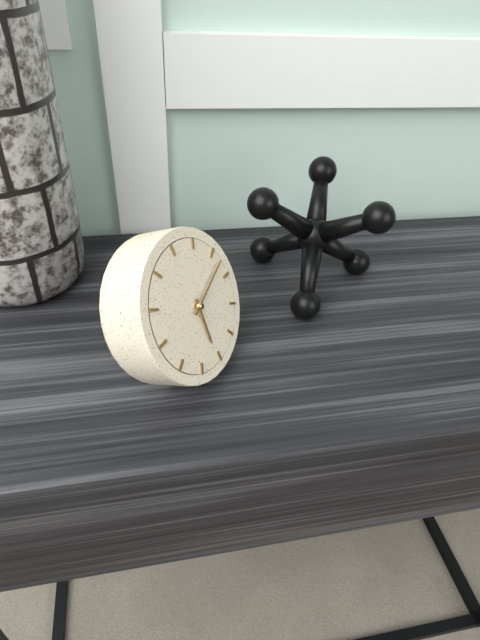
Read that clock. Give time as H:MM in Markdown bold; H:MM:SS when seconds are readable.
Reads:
**6:12**
